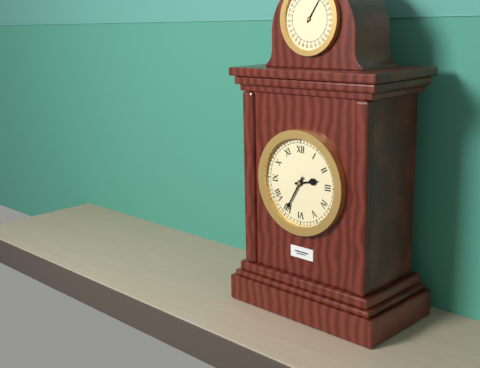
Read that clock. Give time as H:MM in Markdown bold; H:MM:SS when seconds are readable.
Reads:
**2:35**
